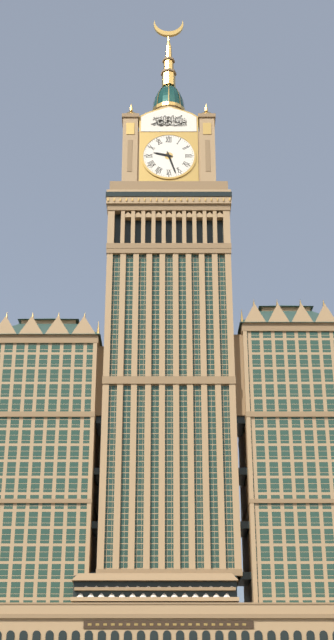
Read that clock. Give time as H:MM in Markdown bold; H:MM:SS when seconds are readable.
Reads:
**9:27**
